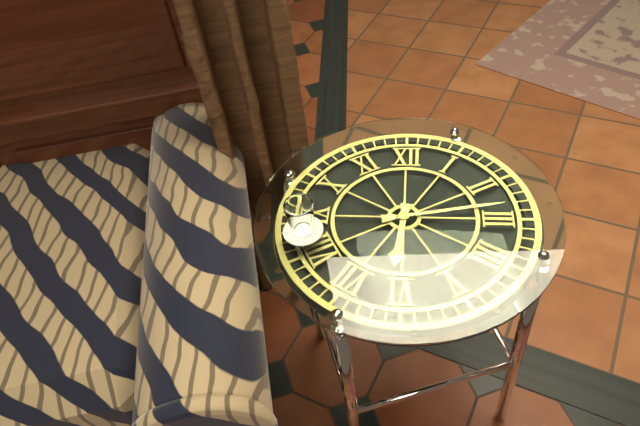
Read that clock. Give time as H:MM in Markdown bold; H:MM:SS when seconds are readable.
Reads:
**6:13**
